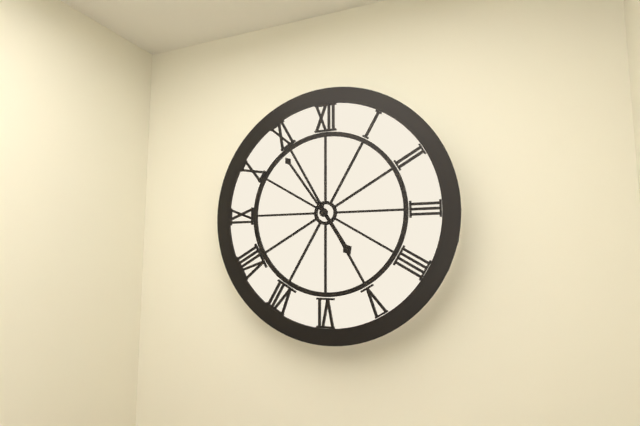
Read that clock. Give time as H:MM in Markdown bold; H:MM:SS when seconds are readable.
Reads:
**4:54**
